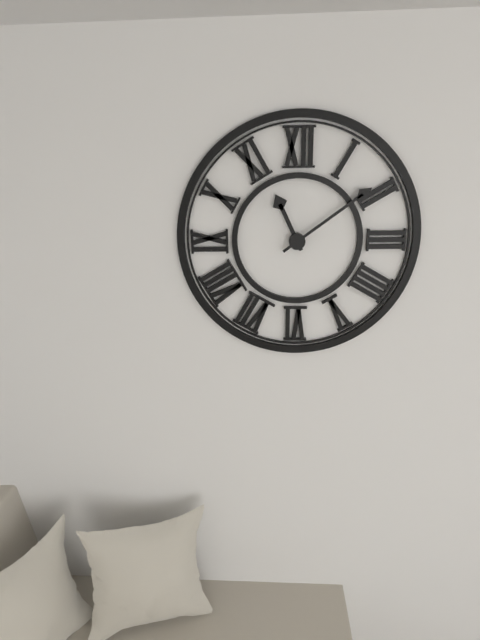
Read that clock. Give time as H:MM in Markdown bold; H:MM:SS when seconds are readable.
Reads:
**11:09**
